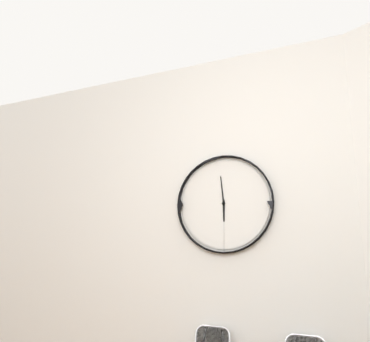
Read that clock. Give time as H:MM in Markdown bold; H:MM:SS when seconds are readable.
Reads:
**5:59**
